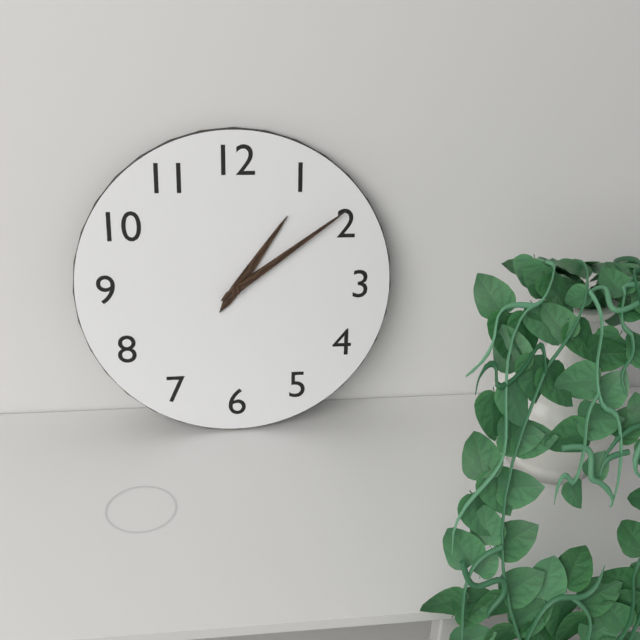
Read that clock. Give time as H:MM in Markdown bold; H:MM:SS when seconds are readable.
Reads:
**1:09**
